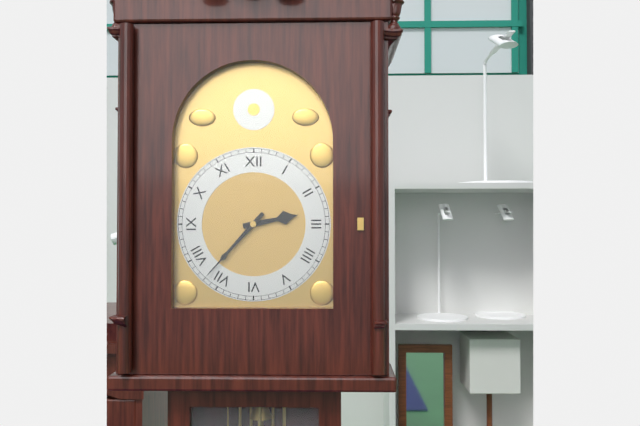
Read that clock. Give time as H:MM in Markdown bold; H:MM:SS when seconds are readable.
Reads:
**2:37**
